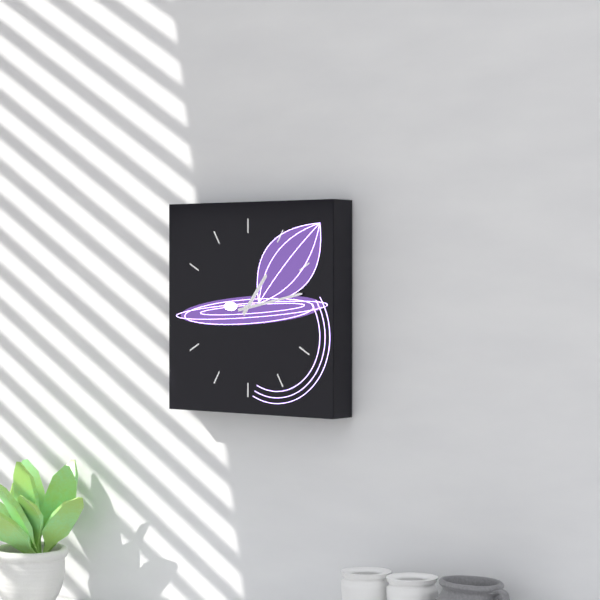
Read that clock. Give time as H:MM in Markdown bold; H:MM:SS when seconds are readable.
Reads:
**1:13**
